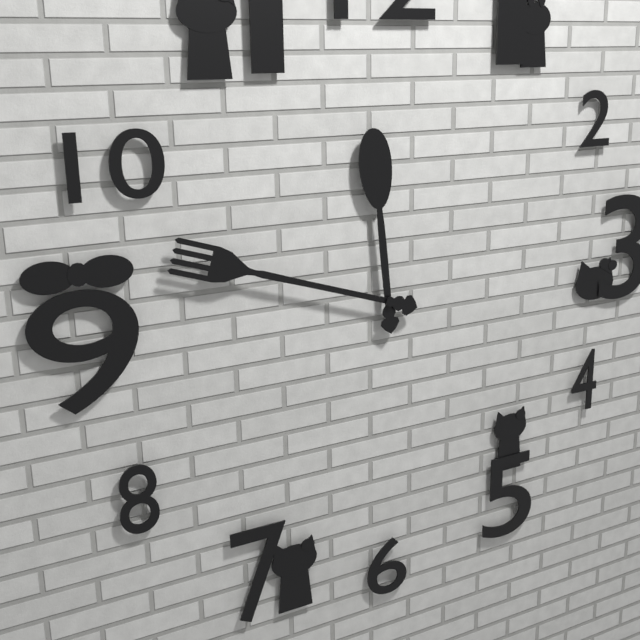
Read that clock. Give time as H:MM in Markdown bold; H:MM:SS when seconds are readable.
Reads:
**11:48**
